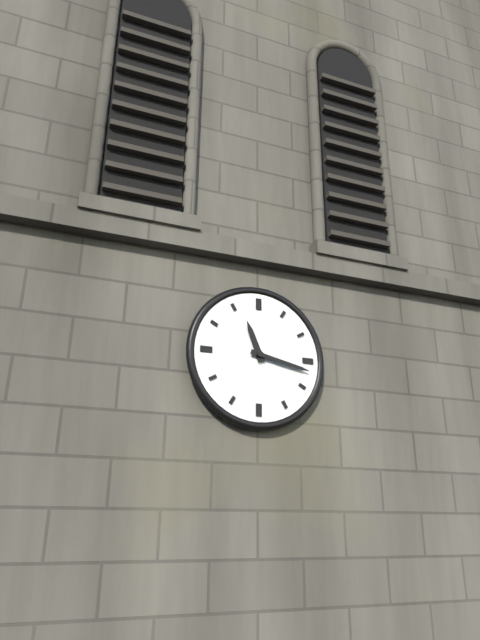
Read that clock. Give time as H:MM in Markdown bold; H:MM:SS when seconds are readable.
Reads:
**11:17**
